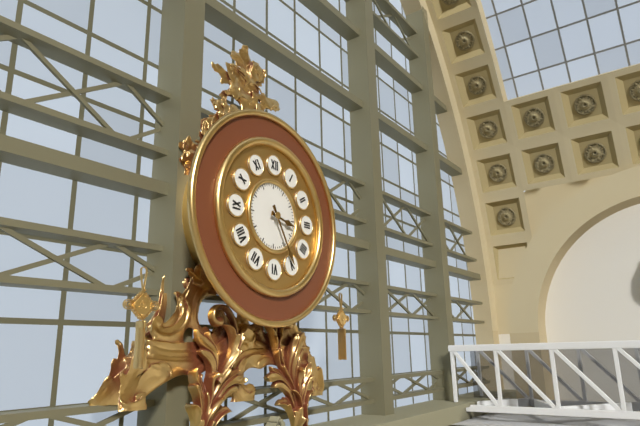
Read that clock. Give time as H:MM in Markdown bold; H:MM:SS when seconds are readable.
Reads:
**3:25**
